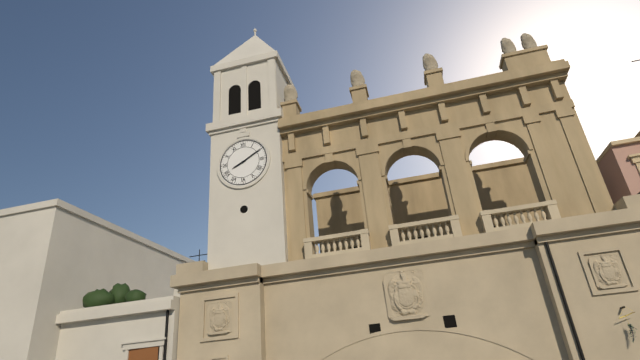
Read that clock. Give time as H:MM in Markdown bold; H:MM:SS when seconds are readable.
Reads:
**8:10**
